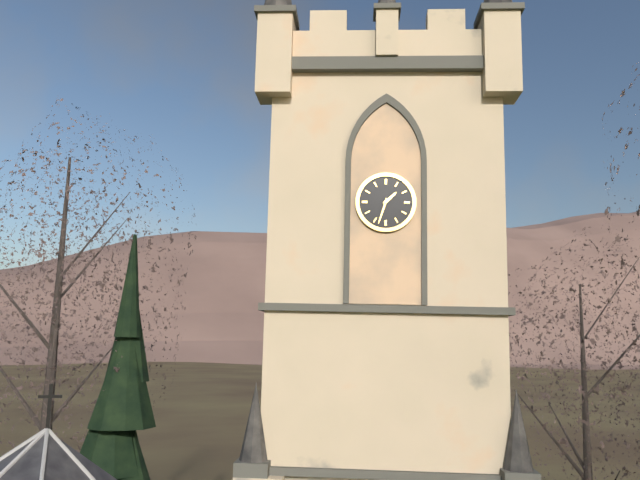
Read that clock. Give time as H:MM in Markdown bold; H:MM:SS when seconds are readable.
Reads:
**1:33**
